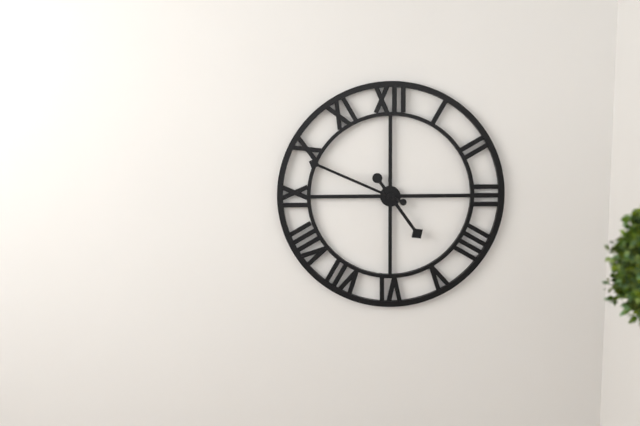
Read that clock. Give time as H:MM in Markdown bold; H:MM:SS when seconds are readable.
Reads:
**4:49**
